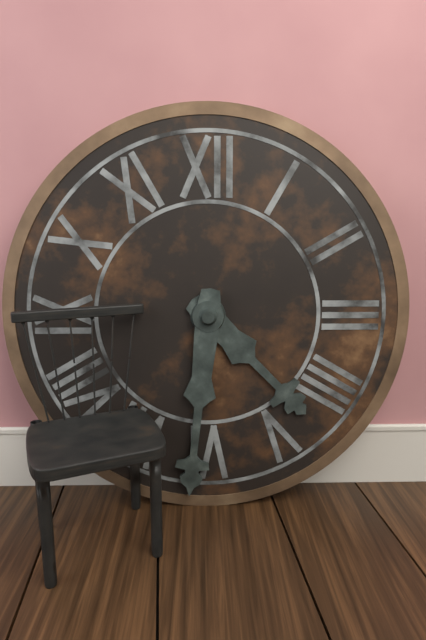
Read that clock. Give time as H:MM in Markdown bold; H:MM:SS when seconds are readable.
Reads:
**4:31**
